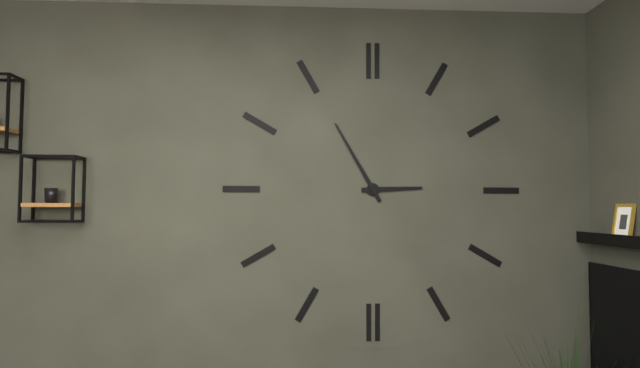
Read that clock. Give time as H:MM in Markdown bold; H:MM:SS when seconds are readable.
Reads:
**2:55**
